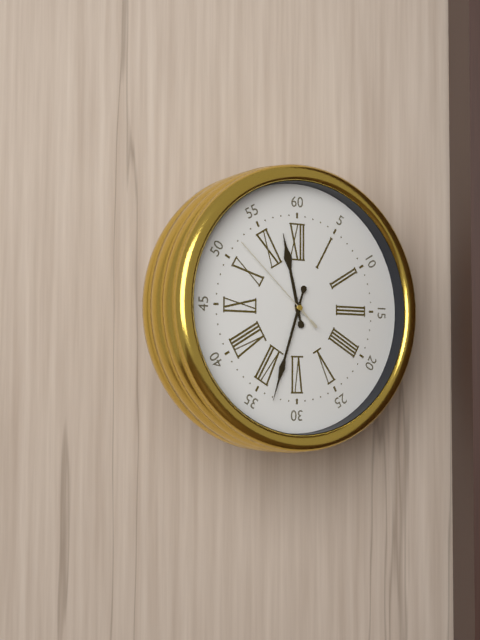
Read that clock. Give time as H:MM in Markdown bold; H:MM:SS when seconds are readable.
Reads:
**11:33:52**
